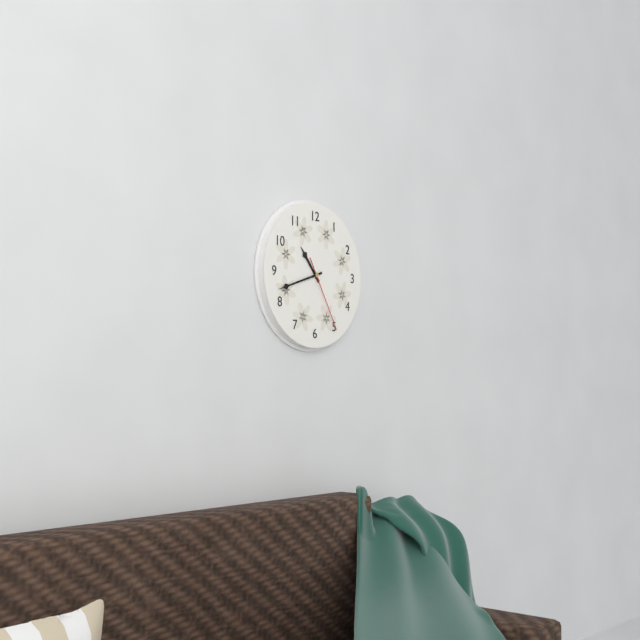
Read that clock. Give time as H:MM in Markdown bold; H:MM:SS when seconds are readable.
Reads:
**10:42:25**
